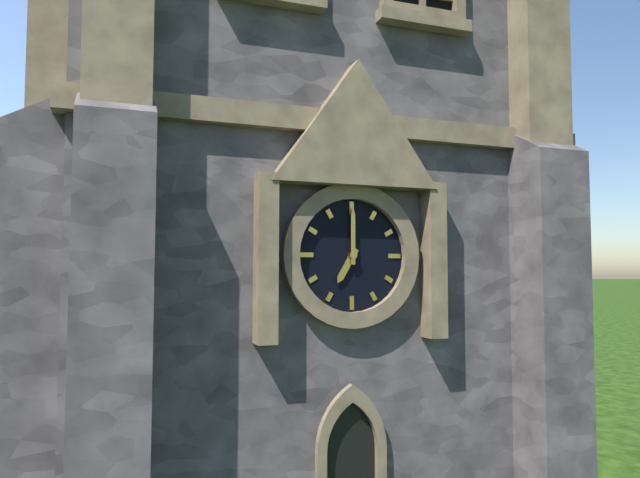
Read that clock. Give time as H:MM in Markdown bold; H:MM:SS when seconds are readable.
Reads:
**7:00**
